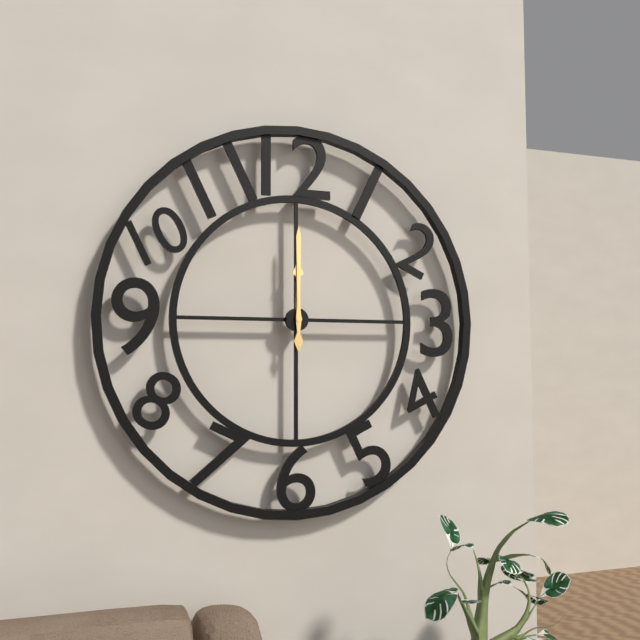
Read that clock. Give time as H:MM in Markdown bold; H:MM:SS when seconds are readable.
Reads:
**12:00**
